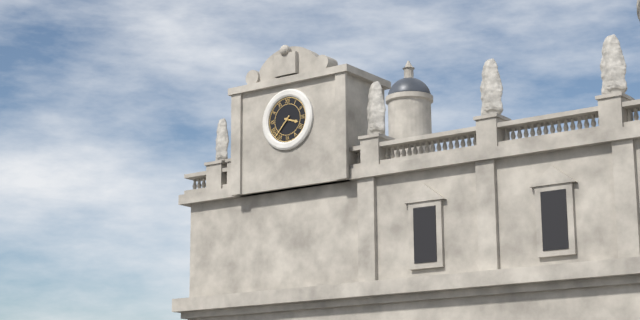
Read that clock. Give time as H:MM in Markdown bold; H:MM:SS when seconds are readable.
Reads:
**3:37**
